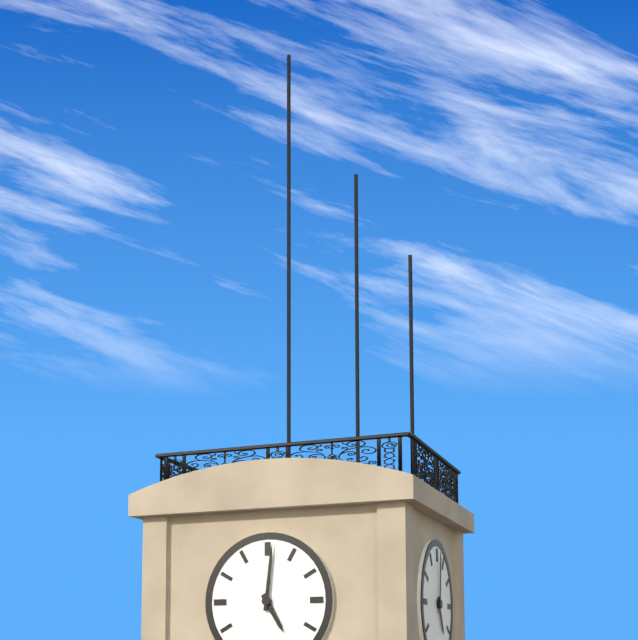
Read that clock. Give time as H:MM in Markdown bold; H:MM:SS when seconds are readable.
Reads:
**5:01**
